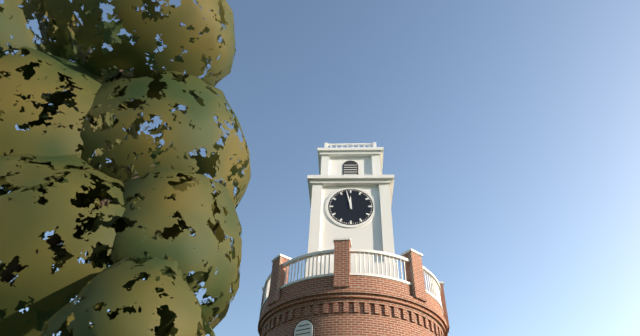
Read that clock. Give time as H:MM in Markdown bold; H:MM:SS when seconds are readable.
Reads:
**11:58**
